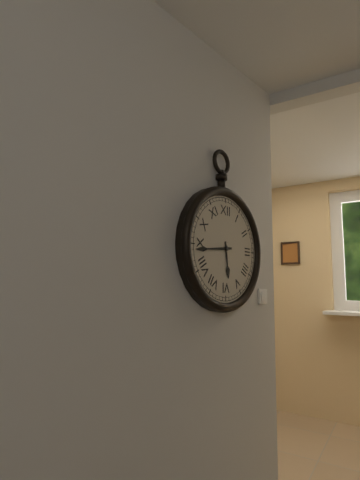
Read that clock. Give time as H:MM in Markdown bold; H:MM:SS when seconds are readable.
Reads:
**5:44**
